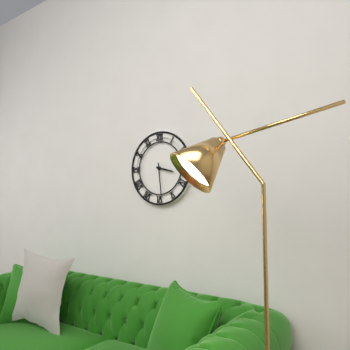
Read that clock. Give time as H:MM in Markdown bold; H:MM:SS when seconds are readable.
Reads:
**3:29**
